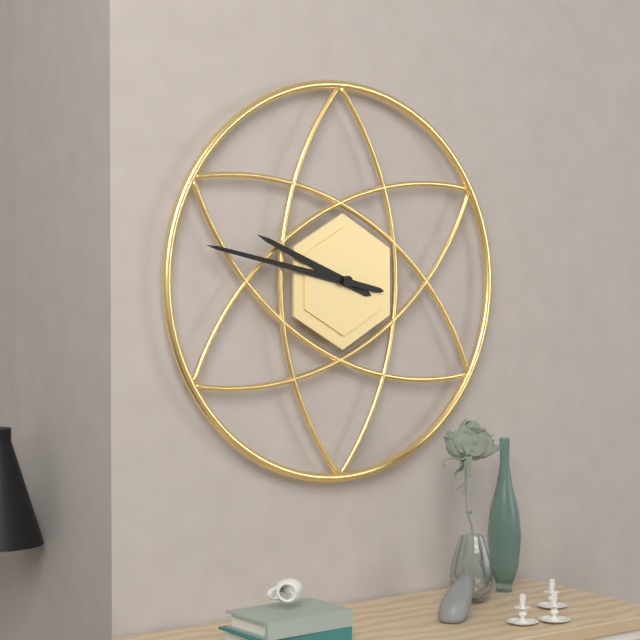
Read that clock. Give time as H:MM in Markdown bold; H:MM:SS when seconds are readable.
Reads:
**9:47**
